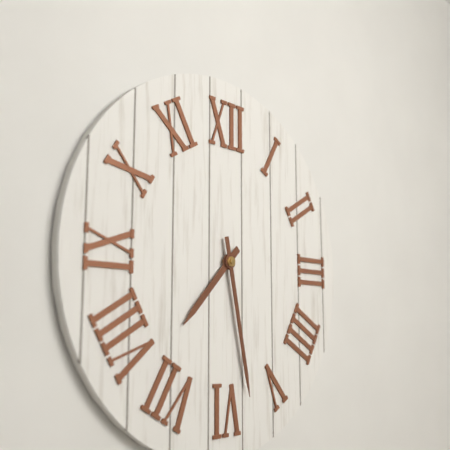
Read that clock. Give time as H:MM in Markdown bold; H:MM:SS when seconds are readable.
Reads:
**7:28**
